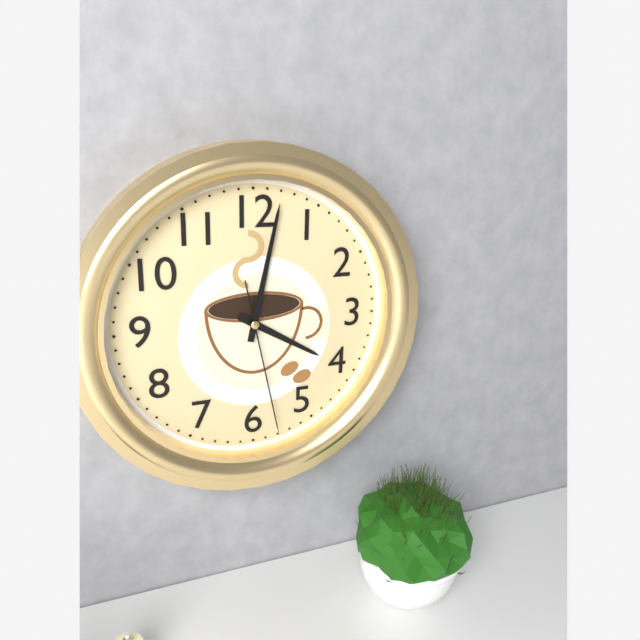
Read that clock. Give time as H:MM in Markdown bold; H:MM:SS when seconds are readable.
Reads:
**4:02:28**
